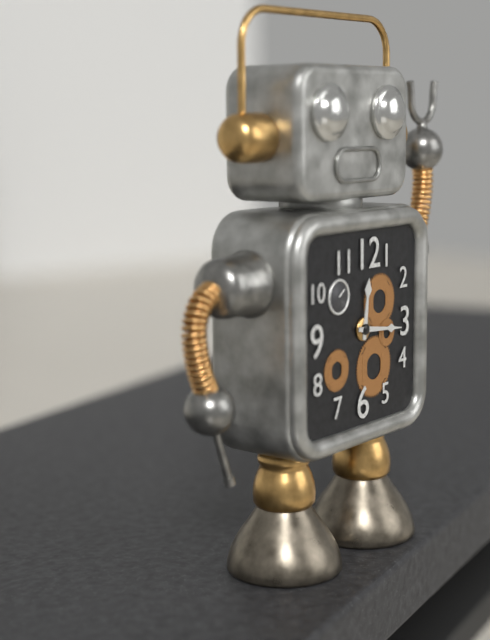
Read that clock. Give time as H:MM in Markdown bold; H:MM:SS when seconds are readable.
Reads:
**12:16**
